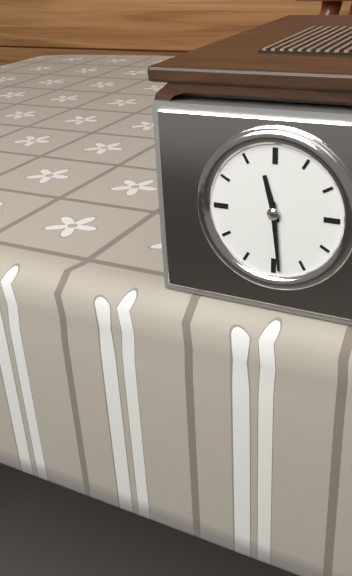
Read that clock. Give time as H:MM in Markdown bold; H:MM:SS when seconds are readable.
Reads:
**11:29**
